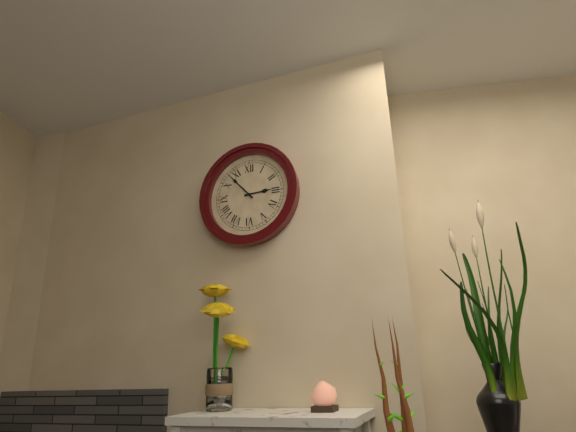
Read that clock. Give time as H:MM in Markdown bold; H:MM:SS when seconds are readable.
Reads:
**2:53**
